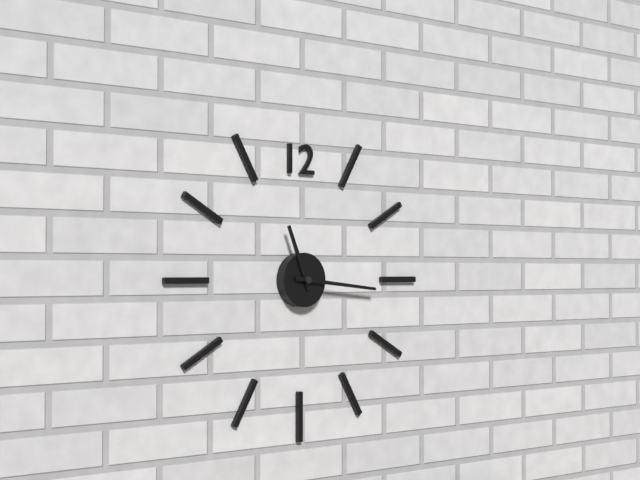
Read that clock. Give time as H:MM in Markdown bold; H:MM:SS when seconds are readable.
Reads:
**11:16**
